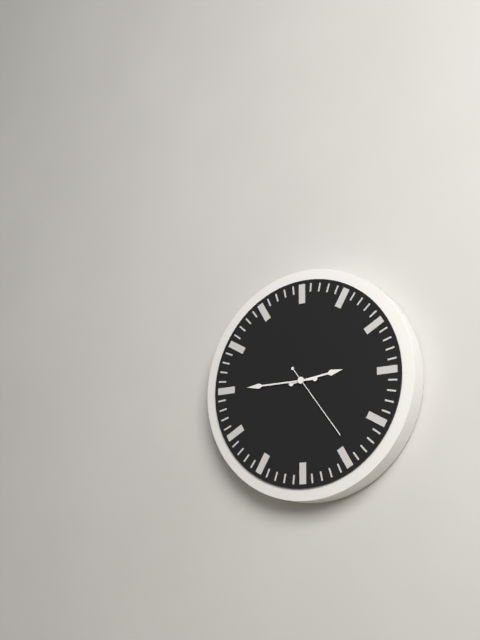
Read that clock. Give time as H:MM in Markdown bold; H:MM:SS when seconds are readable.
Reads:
**2:45:24**
